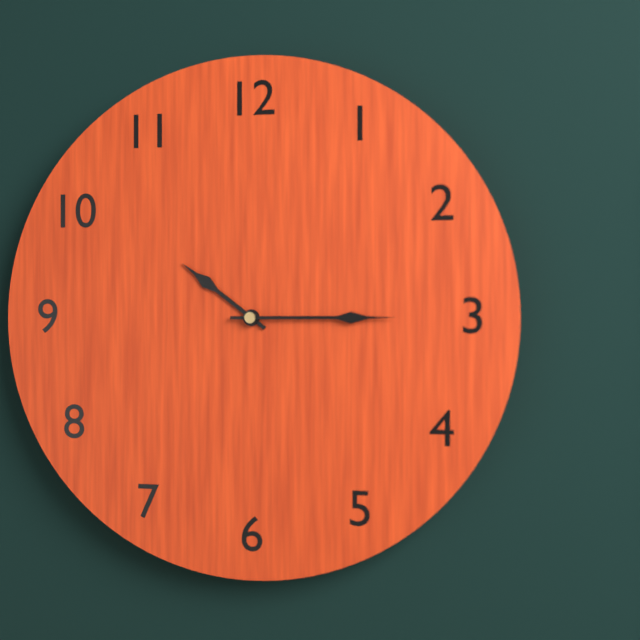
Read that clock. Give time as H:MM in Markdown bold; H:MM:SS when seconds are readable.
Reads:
**10:15**
